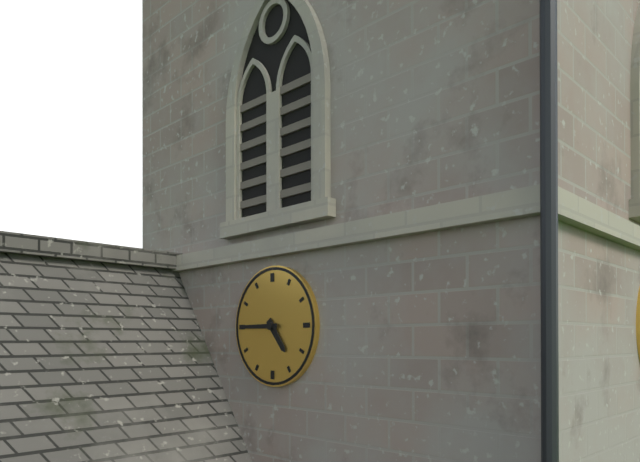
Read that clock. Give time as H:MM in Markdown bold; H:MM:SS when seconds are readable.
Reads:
**4:45**
